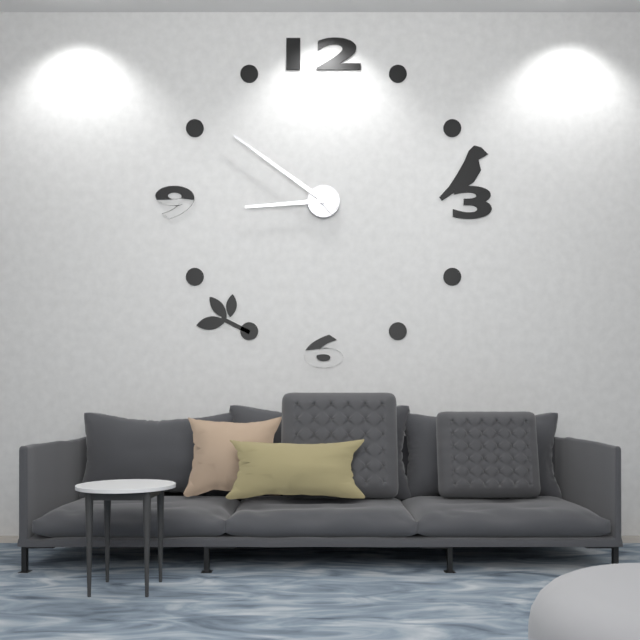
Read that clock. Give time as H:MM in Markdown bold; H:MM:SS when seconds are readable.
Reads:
**8:51**
